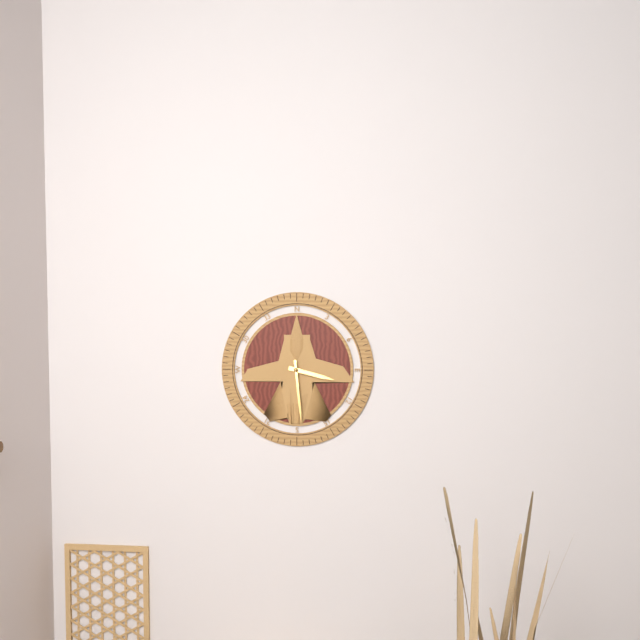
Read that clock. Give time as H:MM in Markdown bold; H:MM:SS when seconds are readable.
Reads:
**3:29**
